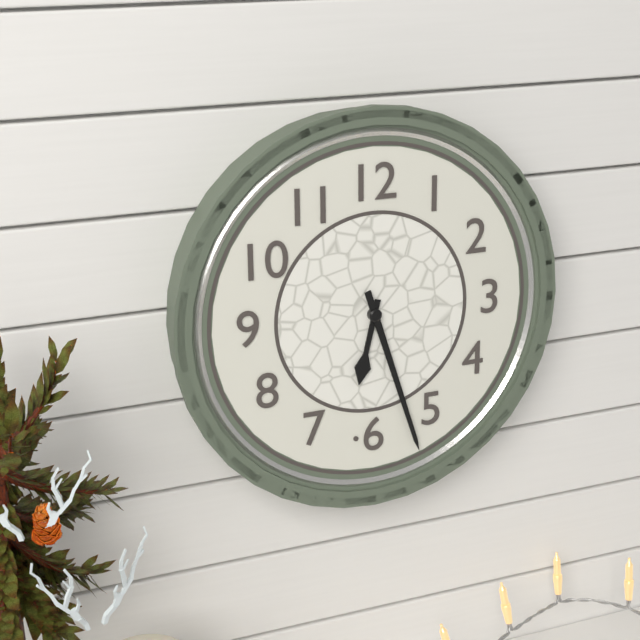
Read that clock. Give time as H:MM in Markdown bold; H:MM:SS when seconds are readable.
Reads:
**6:27**
